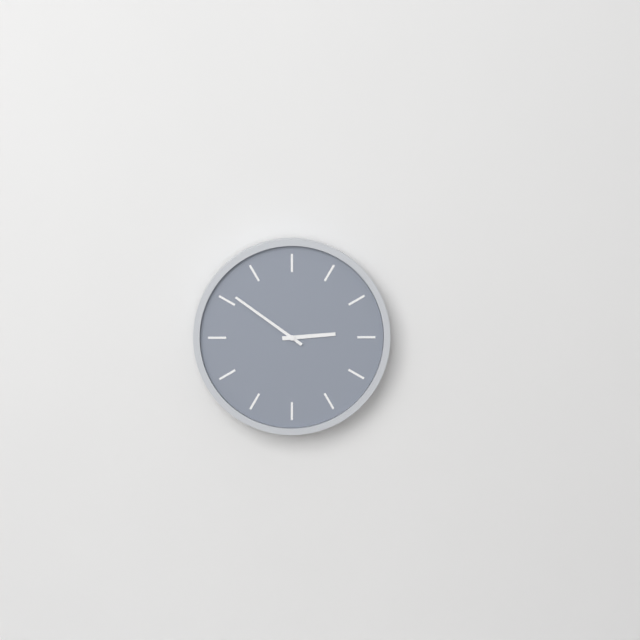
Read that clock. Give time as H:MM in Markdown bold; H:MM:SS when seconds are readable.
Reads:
**2:51**
